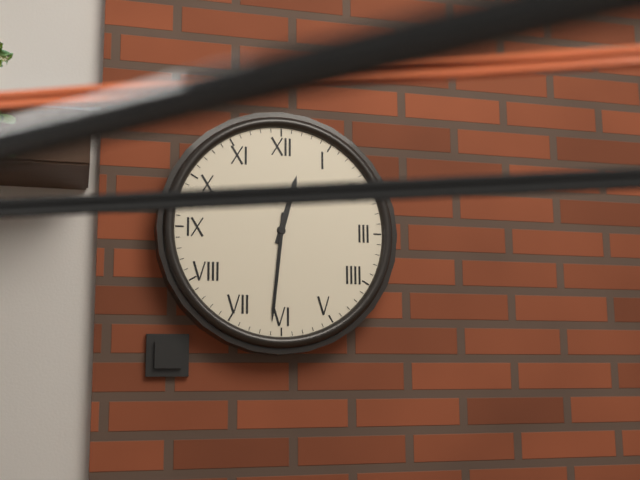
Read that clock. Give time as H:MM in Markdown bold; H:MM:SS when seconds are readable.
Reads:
**12:31**
